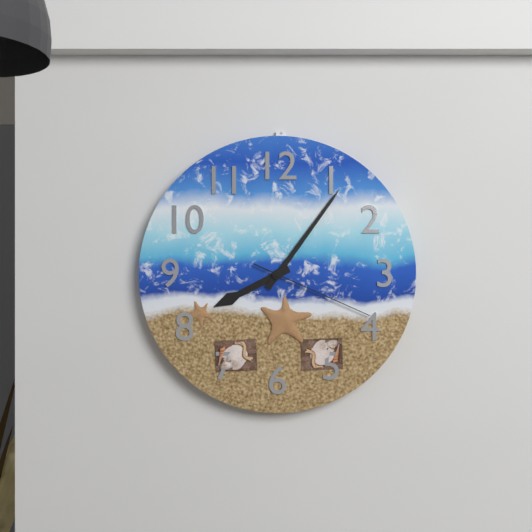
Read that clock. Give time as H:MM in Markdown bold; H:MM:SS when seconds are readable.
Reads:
**8:06:19**
